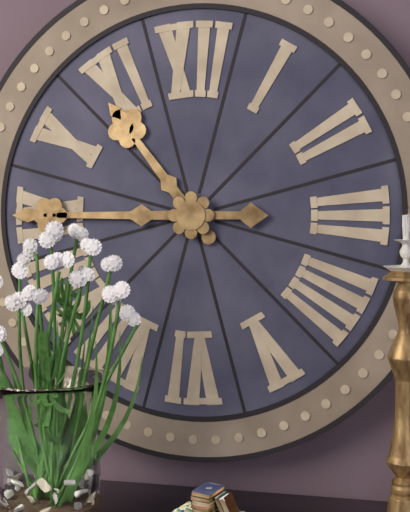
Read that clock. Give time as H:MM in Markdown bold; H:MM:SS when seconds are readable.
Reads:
**10:45**
